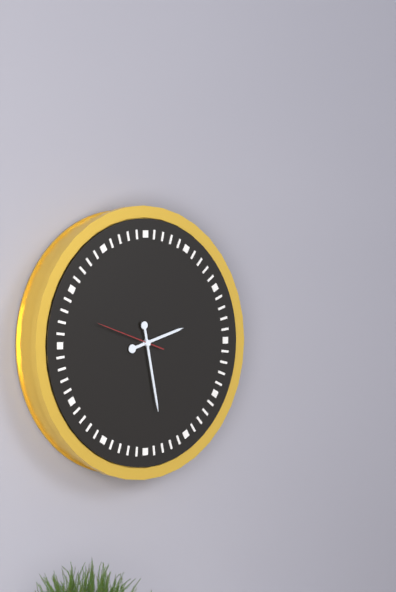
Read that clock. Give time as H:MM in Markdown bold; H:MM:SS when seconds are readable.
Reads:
**2:28**
